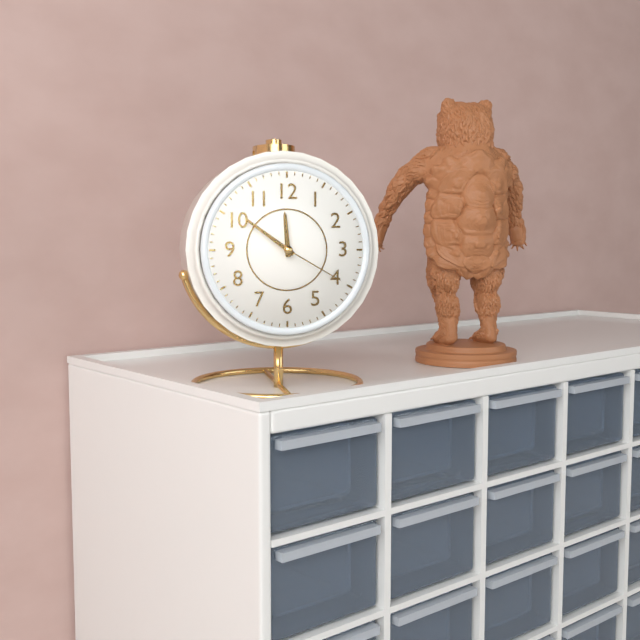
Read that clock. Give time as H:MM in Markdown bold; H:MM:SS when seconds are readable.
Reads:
**11:51:20**
